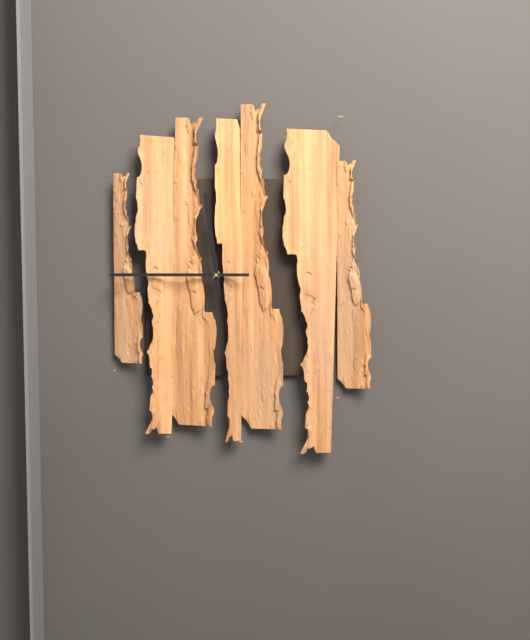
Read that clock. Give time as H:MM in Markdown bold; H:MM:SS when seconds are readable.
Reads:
**11:45**
